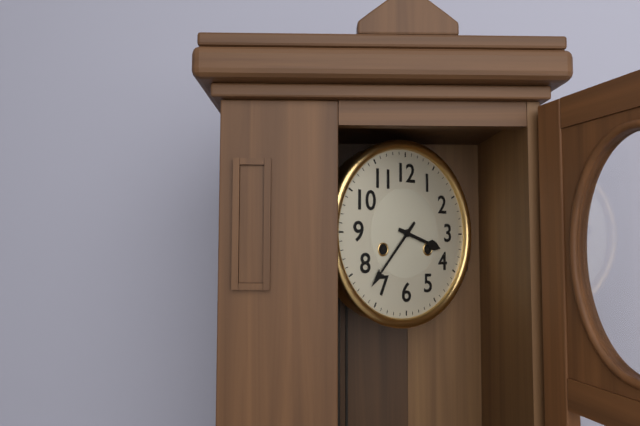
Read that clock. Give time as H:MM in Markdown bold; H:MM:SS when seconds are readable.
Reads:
**3:37**
